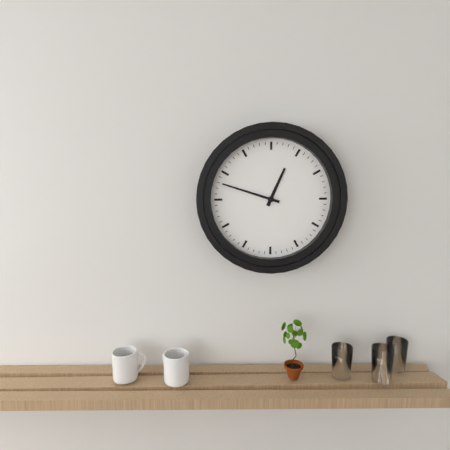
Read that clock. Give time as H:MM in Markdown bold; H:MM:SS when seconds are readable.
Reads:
**12:48**
